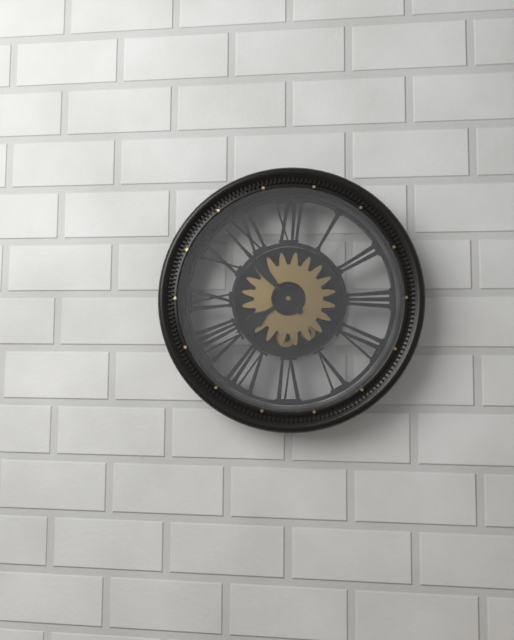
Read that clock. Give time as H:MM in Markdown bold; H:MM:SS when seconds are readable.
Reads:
**7:53**
